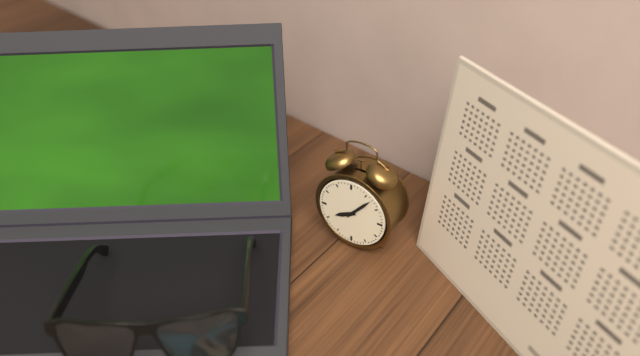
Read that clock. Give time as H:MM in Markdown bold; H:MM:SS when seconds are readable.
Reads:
**8:07**
